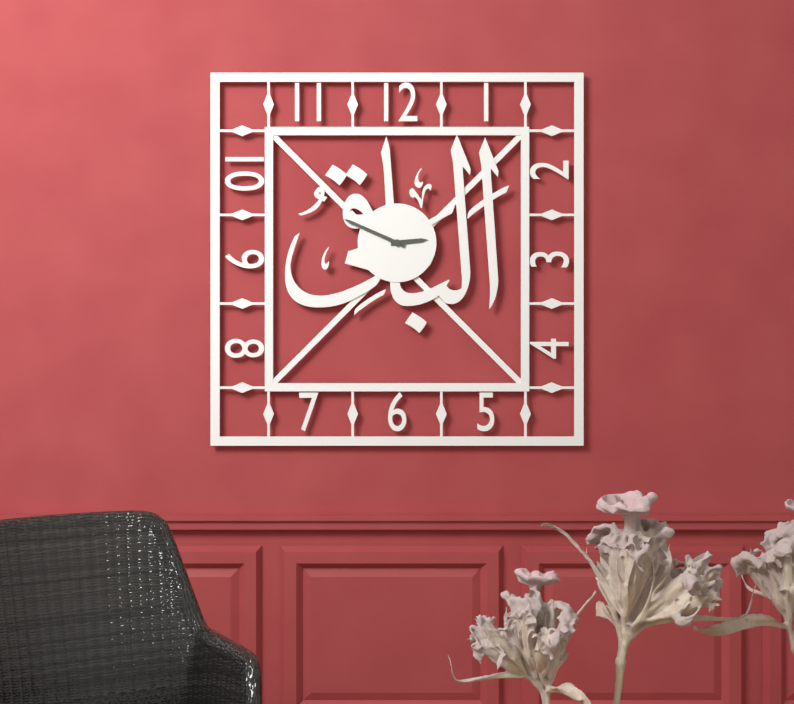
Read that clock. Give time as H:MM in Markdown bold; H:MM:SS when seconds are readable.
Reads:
**2:49**
